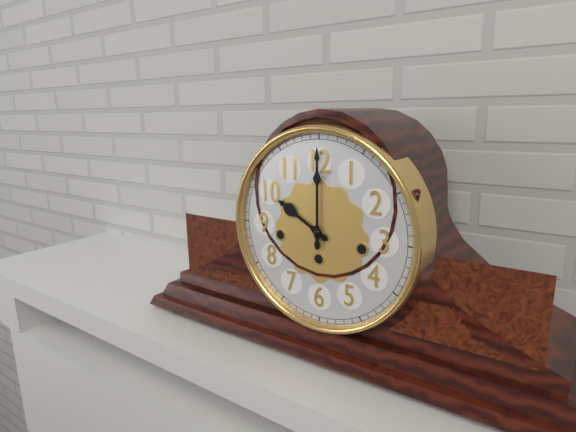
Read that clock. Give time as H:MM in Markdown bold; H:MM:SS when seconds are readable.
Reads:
**10:00**
